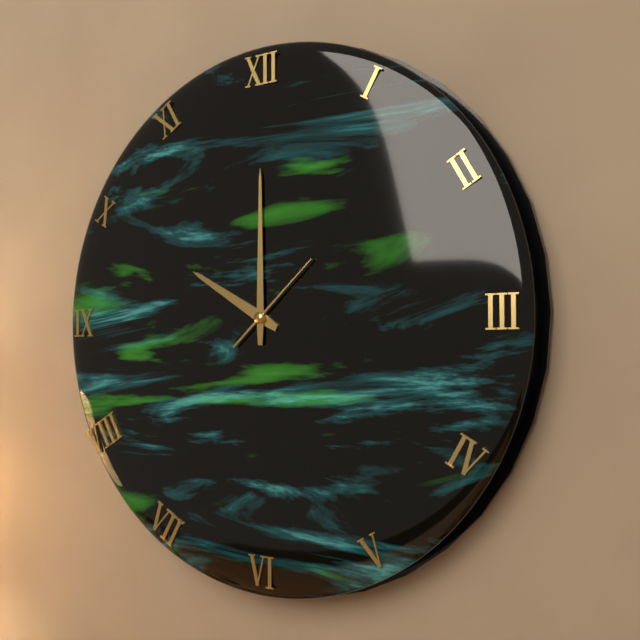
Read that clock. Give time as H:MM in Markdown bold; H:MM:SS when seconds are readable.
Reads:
**10:00:08**
